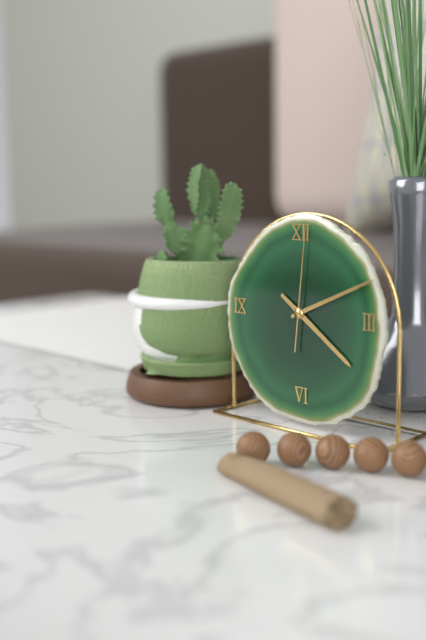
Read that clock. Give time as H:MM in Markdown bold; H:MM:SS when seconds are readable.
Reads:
**4:11:01**
